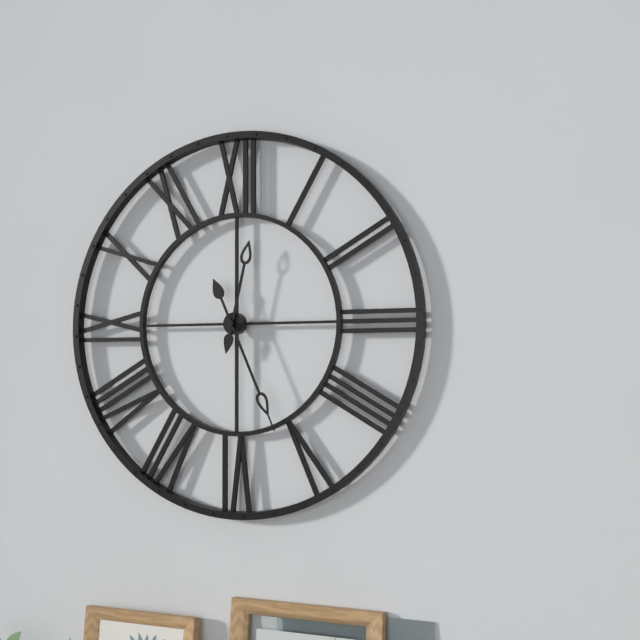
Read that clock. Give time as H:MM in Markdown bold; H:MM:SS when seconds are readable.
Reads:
**12:26**
